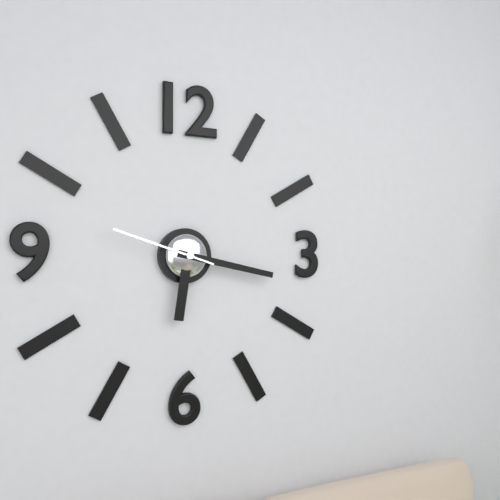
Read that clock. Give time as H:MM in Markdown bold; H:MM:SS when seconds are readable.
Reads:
**6:17:48**
